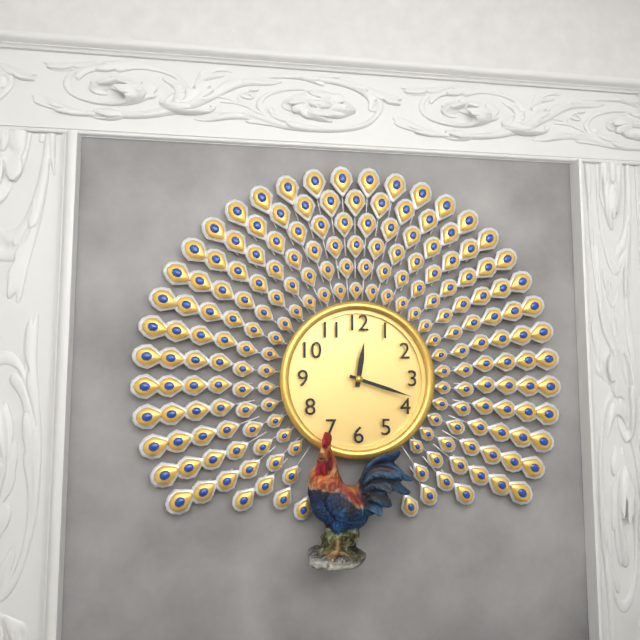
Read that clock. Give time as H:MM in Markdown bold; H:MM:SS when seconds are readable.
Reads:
**12:18**
